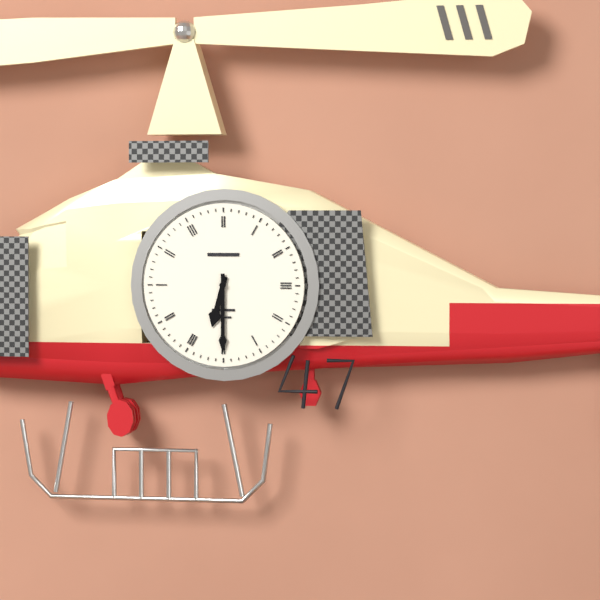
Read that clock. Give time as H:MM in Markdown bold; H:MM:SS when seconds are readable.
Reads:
**6:30**
